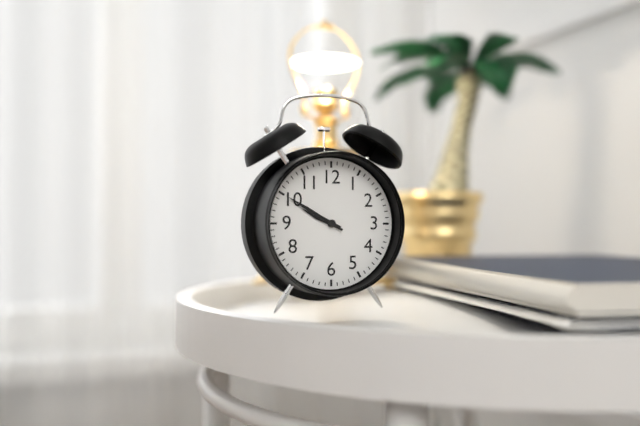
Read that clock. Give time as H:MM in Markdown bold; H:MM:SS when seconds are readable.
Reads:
**9:50**
